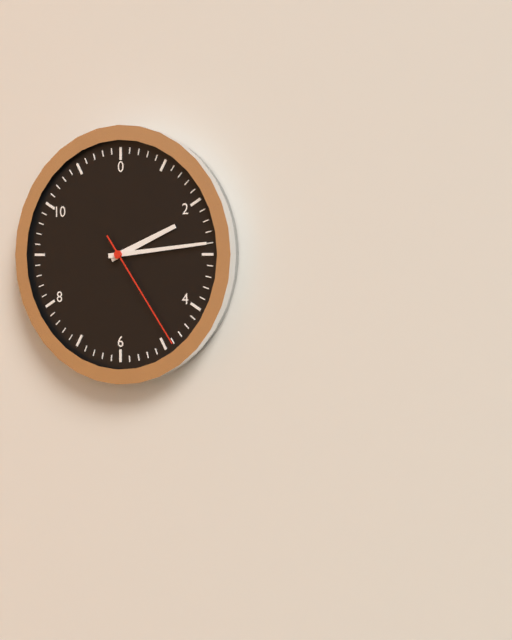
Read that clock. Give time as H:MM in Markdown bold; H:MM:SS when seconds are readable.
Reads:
**2:14:24**
